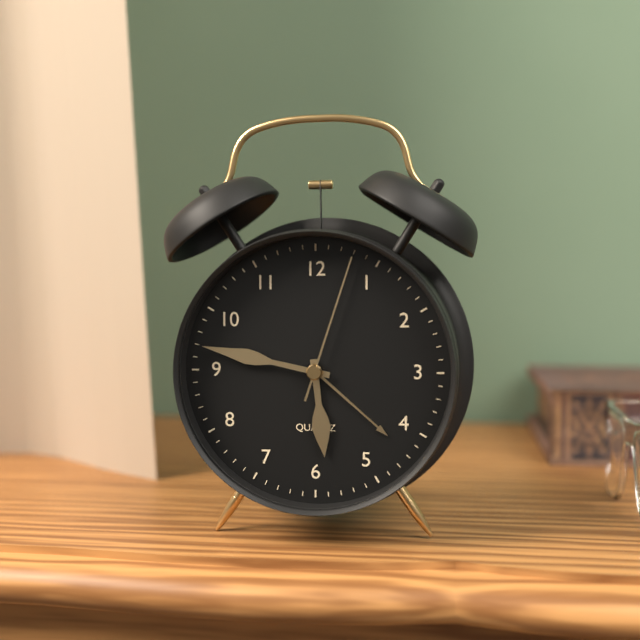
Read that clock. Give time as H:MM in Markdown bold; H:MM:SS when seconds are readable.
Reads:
**5:47:03**
